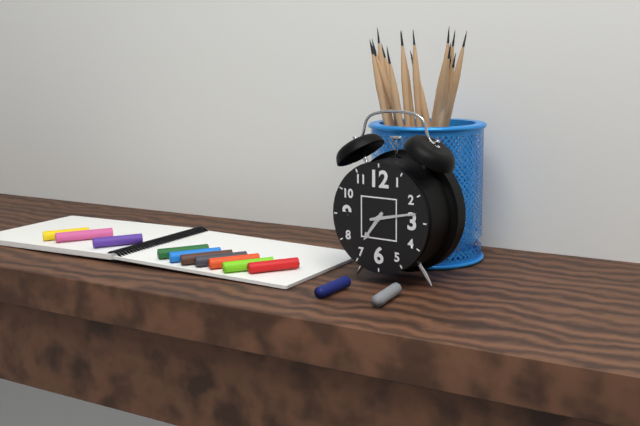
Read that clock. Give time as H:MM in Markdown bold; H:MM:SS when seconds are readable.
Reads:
**7:13**
